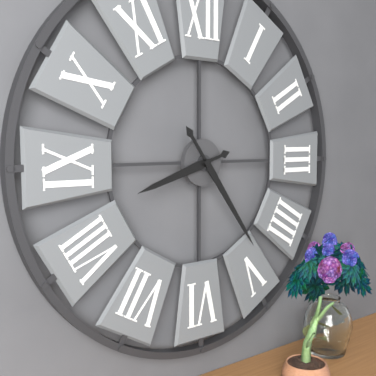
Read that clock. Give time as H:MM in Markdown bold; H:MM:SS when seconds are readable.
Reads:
**8:24**
